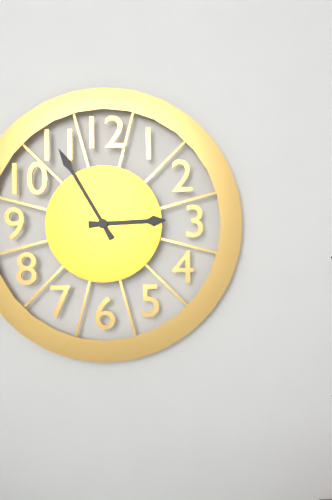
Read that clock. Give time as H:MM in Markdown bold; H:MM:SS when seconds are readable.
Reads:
**2:55**
